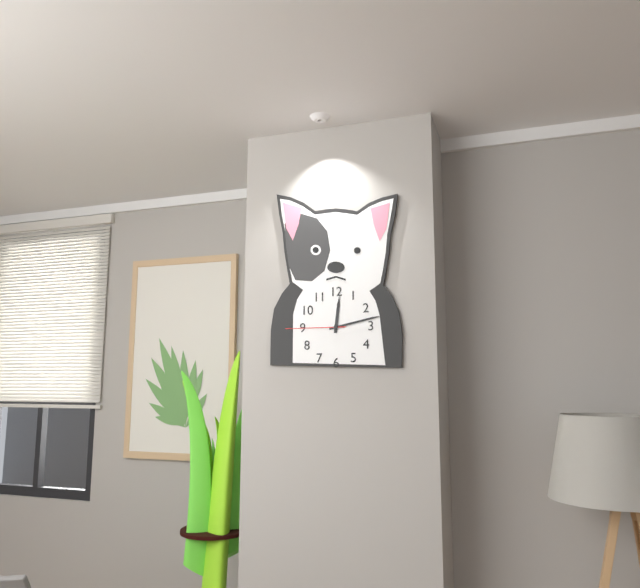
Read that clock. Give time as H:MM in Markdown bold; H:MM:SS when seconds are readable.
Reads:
**12:13:45**
